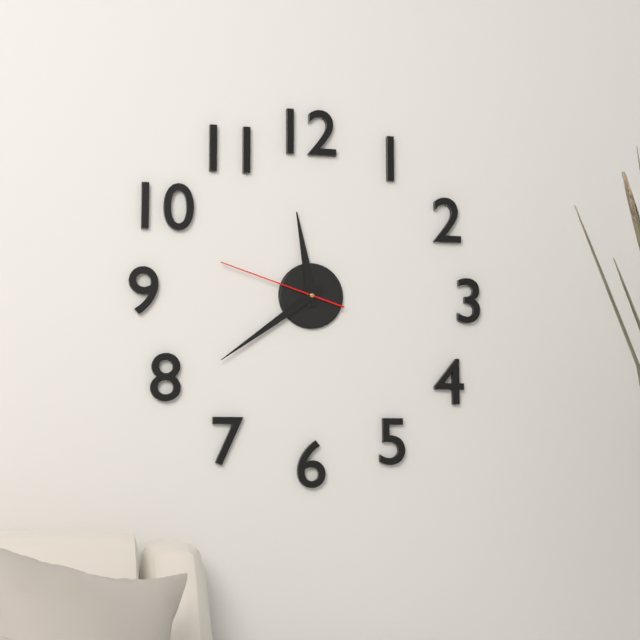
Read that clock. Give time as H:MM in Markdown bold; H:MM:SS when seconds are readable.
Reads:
**11:39:48**
